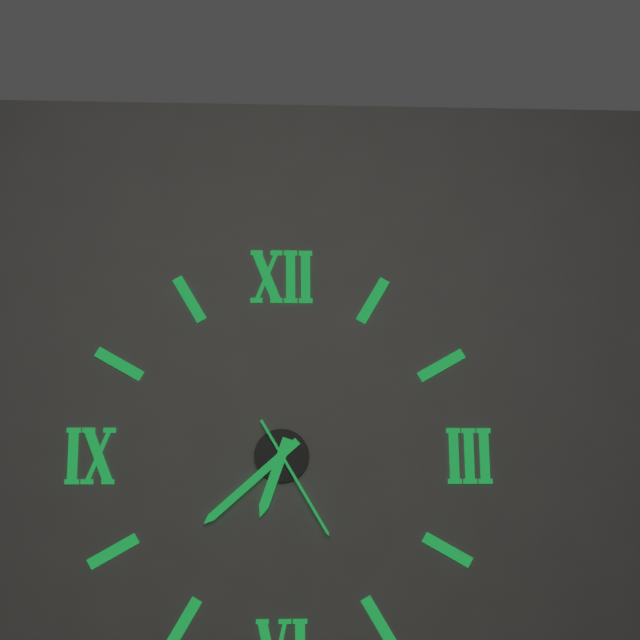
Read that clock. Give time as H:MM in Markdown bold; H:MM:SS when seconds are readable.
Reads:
**6:38:25**
